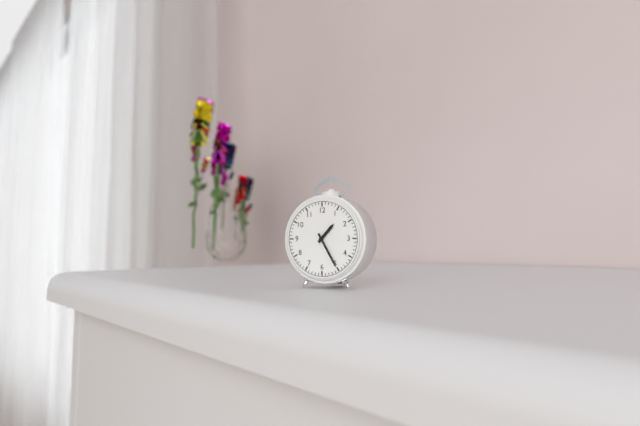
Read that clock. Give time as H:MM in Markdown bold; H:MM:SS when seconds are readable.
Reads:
**1:25**
